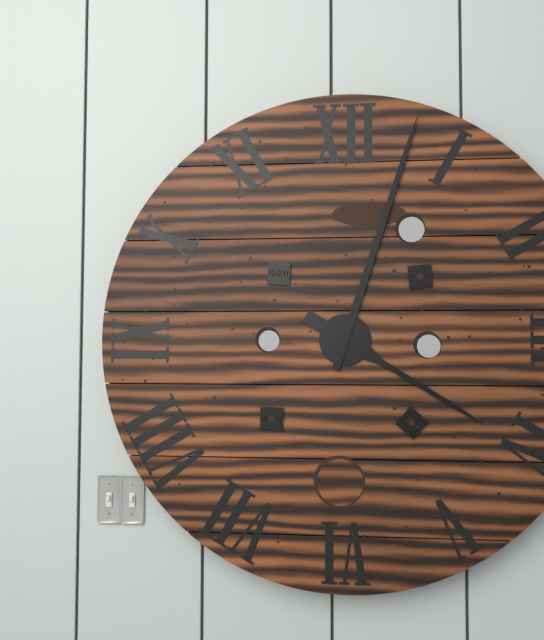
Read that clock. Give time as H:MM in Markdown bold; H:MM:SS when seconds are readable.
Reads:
**4:03**
